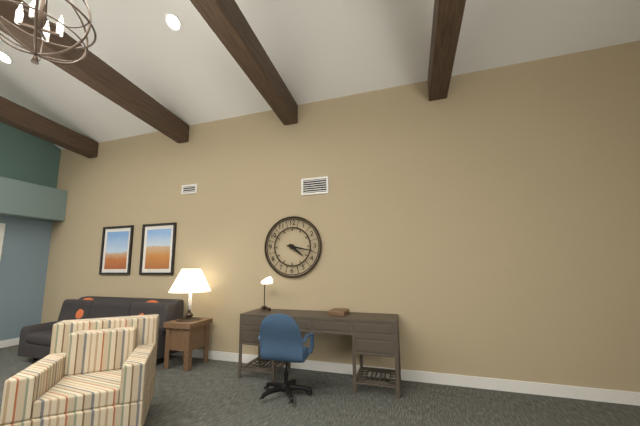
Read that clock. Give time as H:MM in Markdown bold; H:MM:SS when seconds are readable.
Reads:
**4:17**
